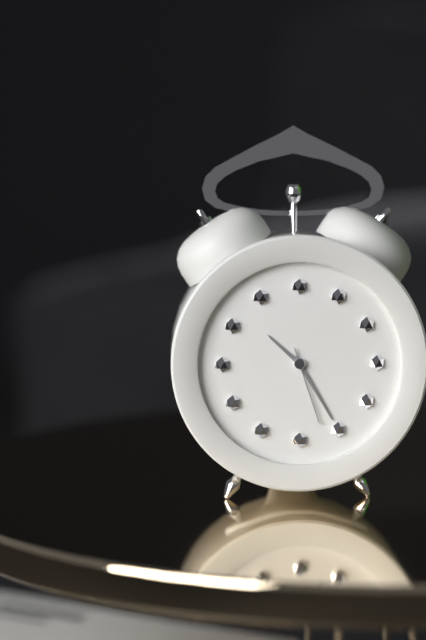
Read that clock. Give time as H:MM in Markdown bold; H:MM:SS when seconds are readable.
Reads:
**10:25:27**
